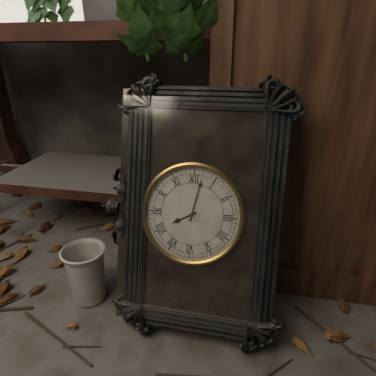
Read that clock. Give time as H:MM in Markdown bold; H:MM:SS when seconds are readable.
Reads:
**8:02**
